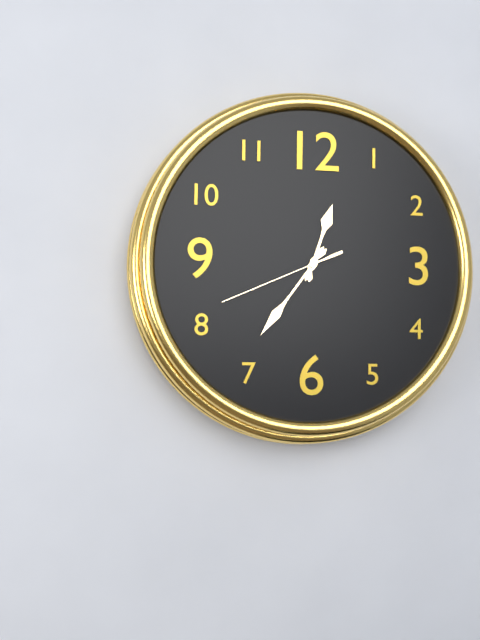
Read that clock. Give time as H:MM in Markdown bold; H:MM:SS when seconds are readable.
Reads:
**12:36:41**
